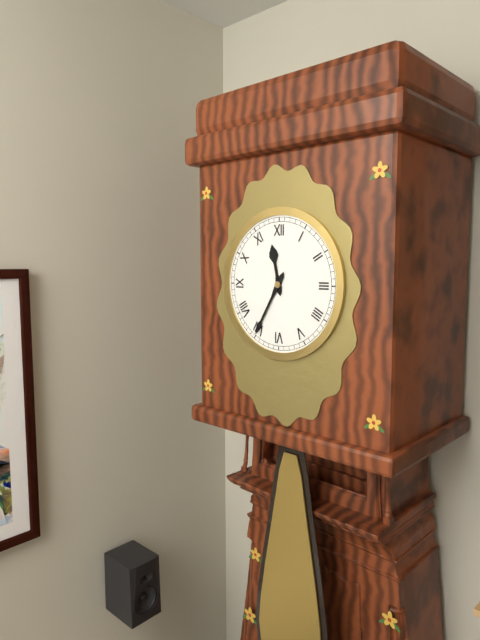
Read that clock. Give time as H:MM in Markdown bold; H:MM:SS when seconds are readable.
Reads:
**11:35**
